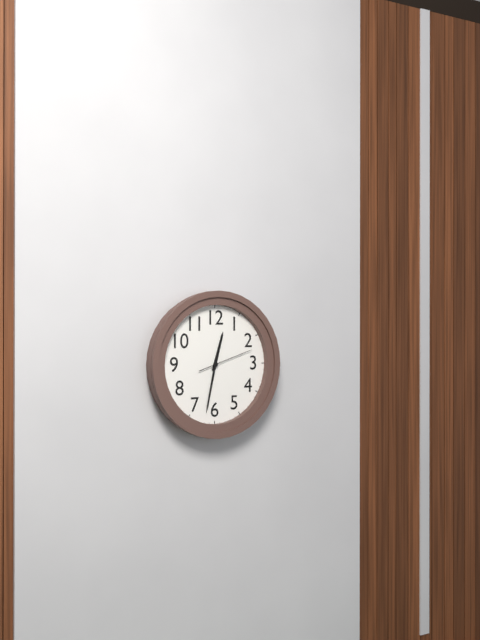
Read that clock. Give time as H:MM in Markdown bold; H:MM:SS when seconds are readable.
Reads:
**12:32**
